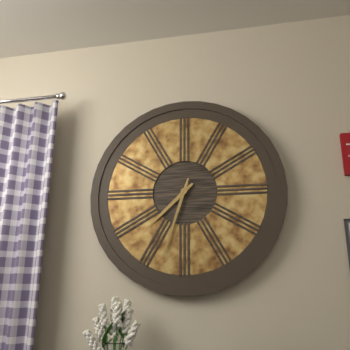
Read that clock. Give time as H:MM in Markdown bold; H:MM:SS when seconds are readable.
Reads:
**7:33**
